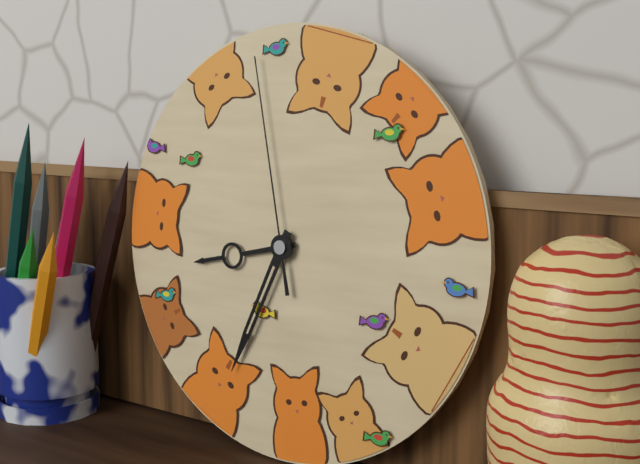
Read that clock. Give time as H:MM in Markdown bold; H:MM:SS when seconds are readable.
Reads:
**8:34:58**
